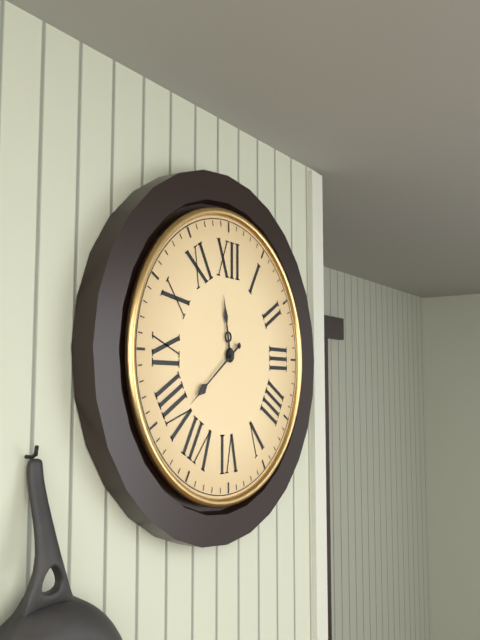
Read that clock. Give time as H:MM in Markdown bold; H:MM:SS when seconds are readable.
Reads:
**11:39**
